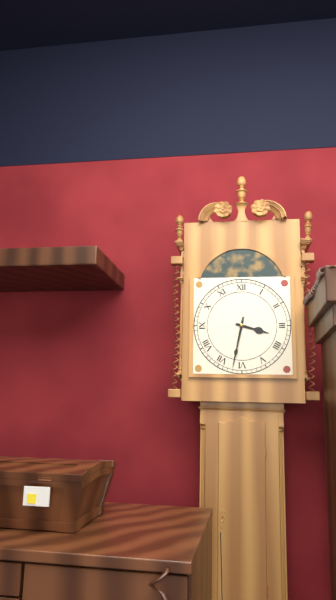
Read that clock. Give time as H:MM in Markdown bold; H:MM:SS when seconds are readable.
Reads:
**3:32**
